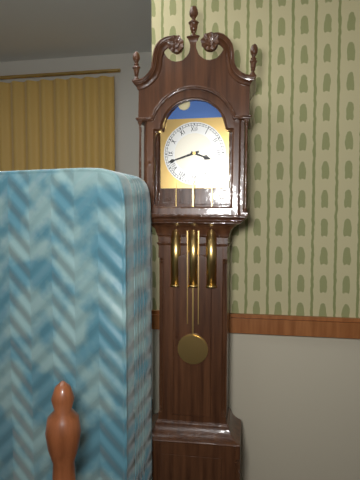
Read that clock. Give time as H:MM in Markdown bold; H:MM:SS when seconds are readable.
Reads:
**3:42**
